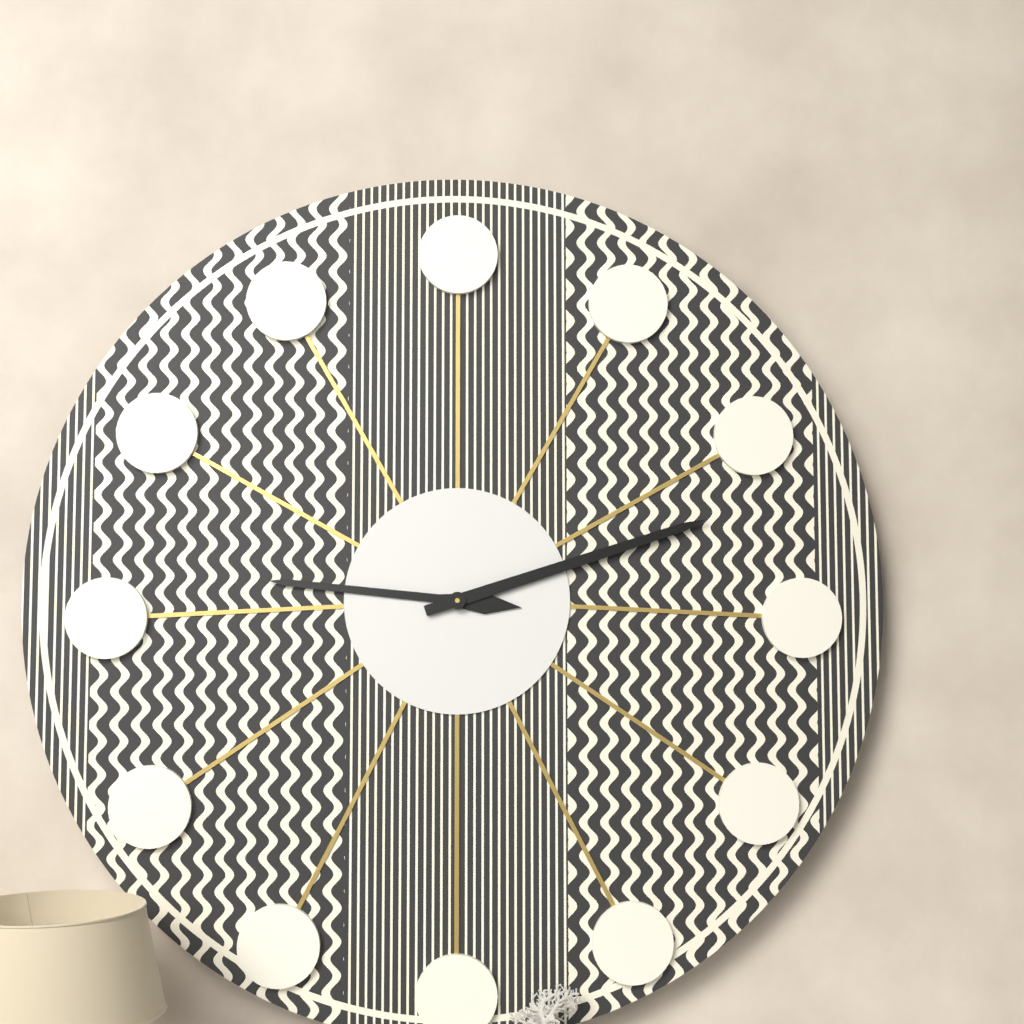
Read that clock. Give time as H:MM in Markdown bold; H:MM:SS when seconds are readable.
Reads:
**9:12**
